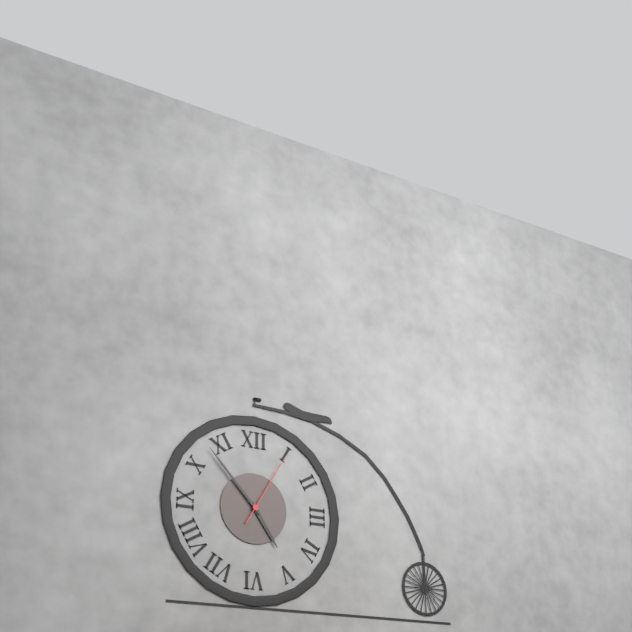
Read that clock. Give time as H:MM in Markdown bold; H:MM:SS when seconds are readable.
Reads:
**4:53:05**
